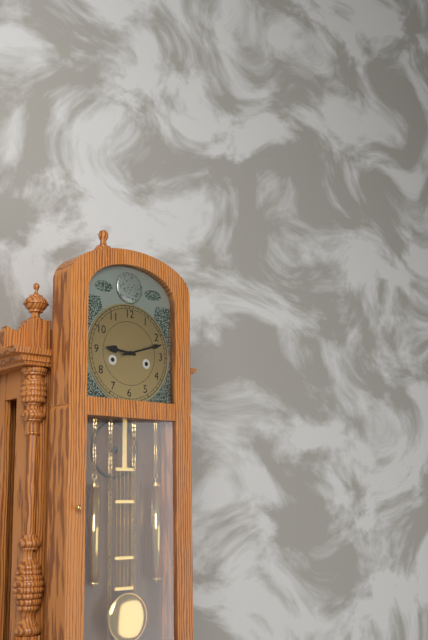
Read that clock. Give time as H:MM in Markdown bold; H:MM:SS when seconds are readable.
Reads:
**9:12**
